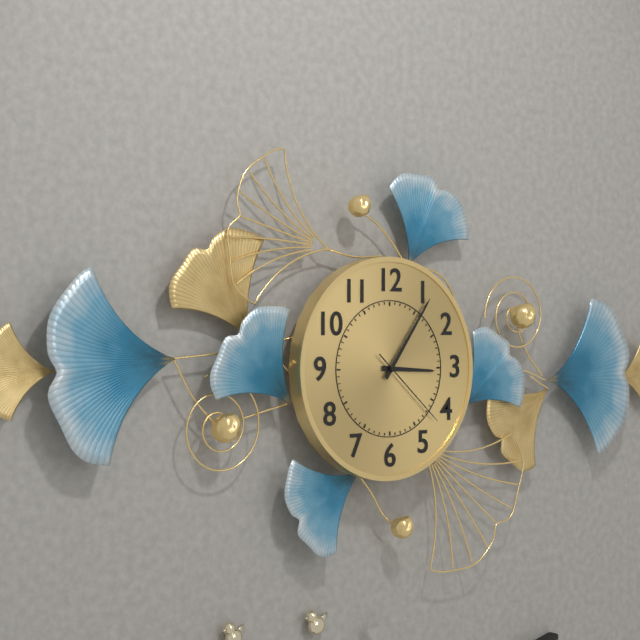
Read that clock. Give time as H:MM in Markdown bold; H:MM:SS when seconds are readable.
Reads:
**3:06:22**
